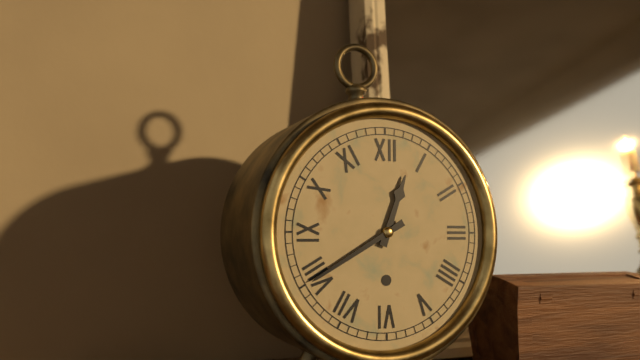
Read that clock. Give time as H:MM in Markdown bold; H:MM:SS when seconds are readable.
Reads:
**12:40**
